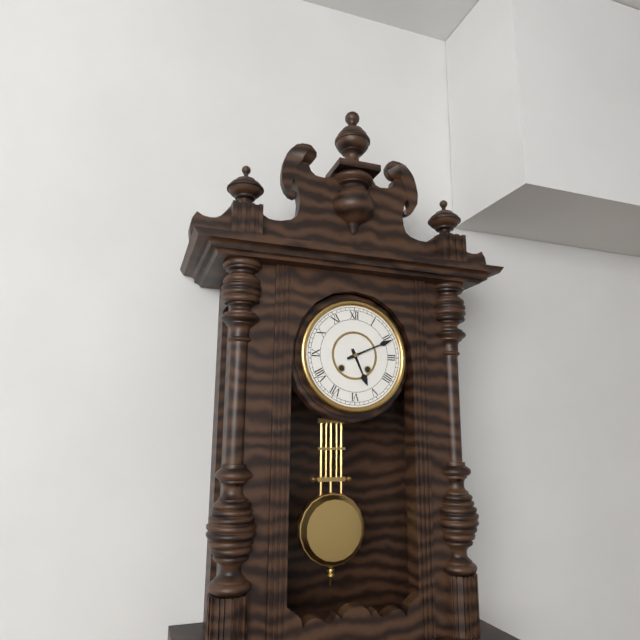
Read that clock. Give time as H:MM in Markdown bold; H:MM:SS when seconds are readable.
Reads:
**5:11**
